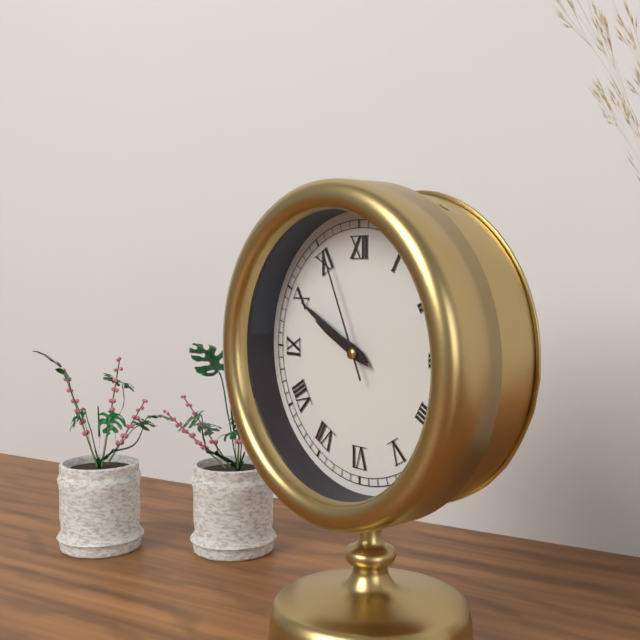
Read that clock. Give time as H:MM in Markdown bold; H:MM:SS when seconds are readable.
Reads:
**9:50:56**
